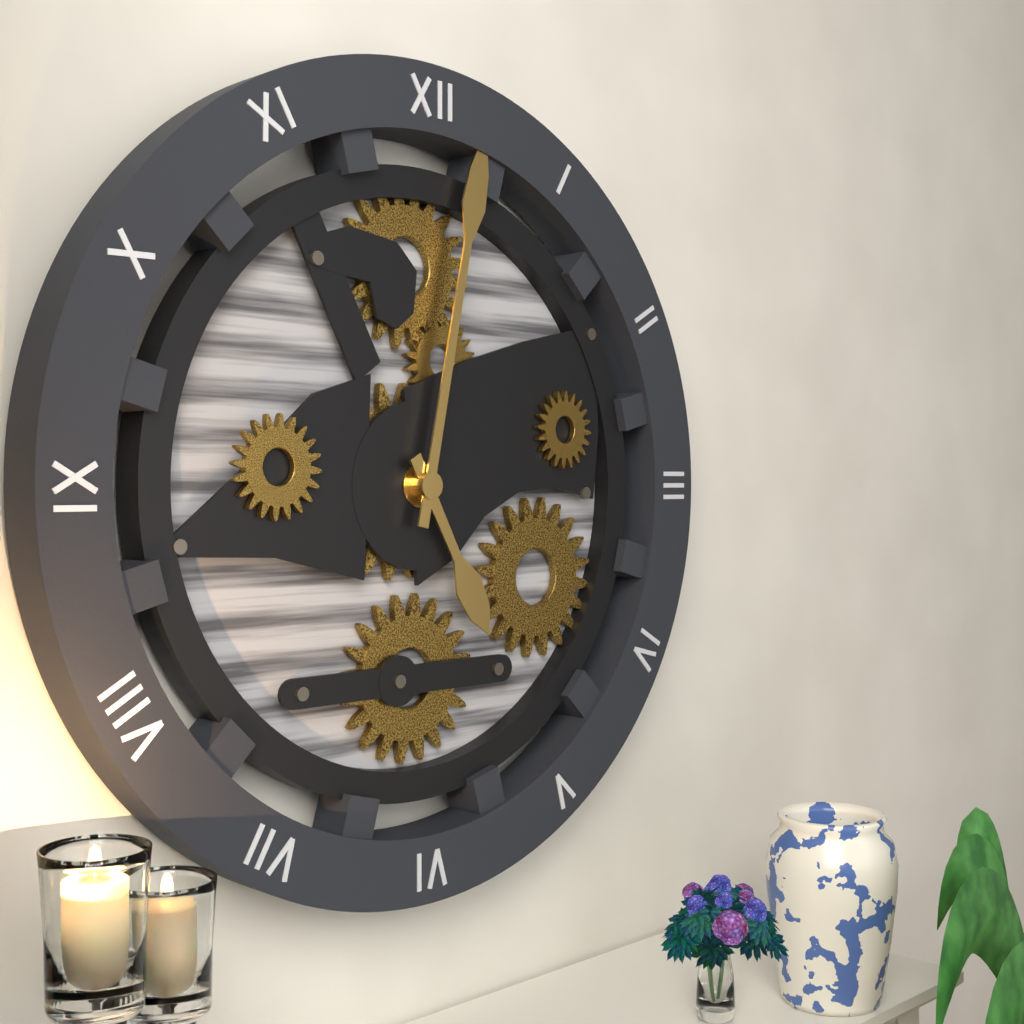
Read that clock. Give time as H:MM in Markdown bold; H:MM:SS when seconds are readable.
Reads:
**5:02**
